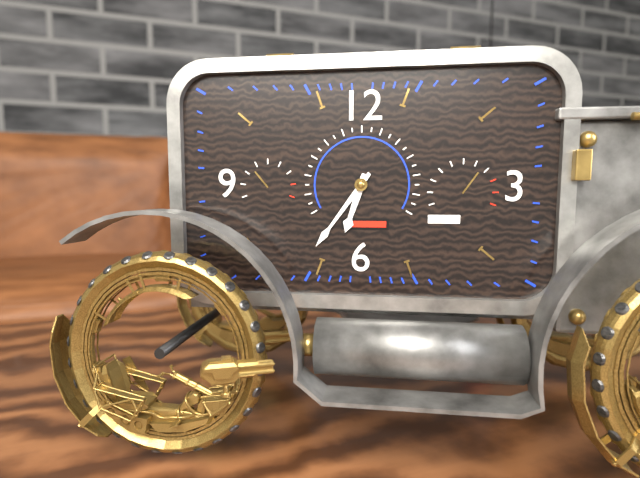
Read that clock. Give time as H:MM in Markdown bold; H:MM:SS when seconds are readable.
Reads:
**6:36**
